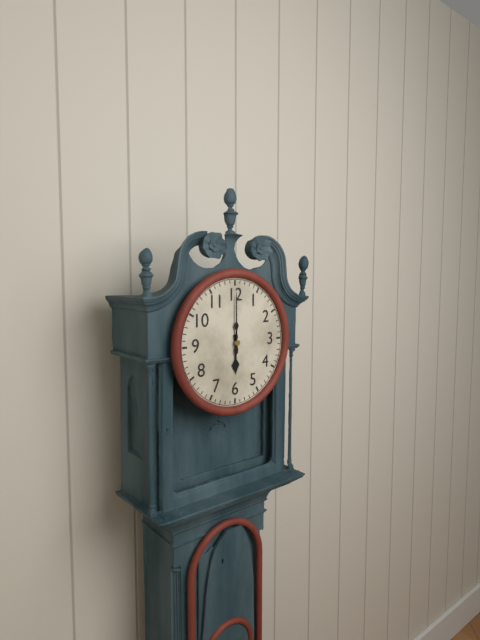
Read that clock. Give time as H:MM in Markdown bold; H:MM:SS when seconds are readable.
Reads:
**6:00**
